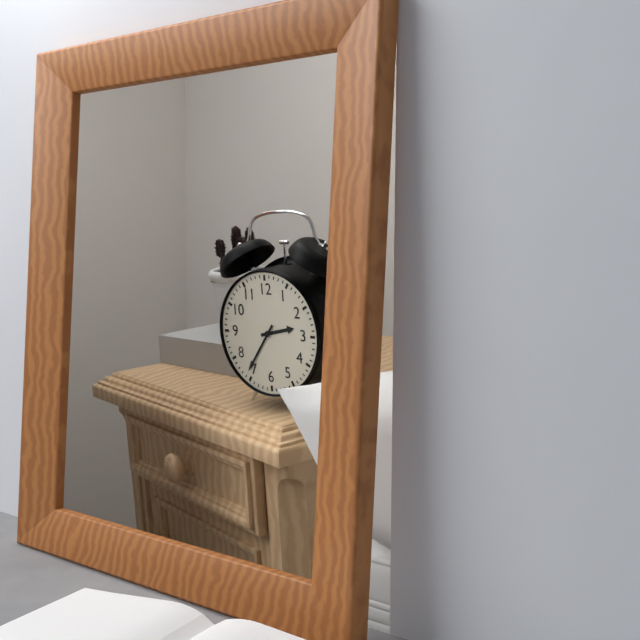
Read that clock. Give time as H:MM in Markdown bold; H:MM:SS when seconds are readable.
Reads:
**2:36**
